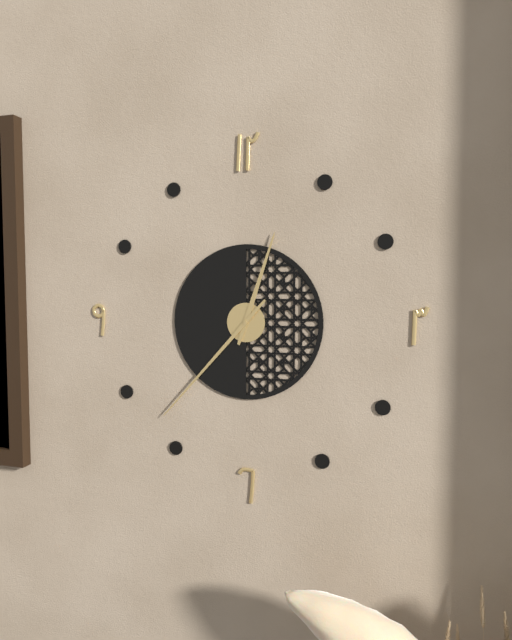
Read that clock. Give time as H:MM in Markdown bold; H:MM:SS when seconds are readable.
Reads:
**12:37**
